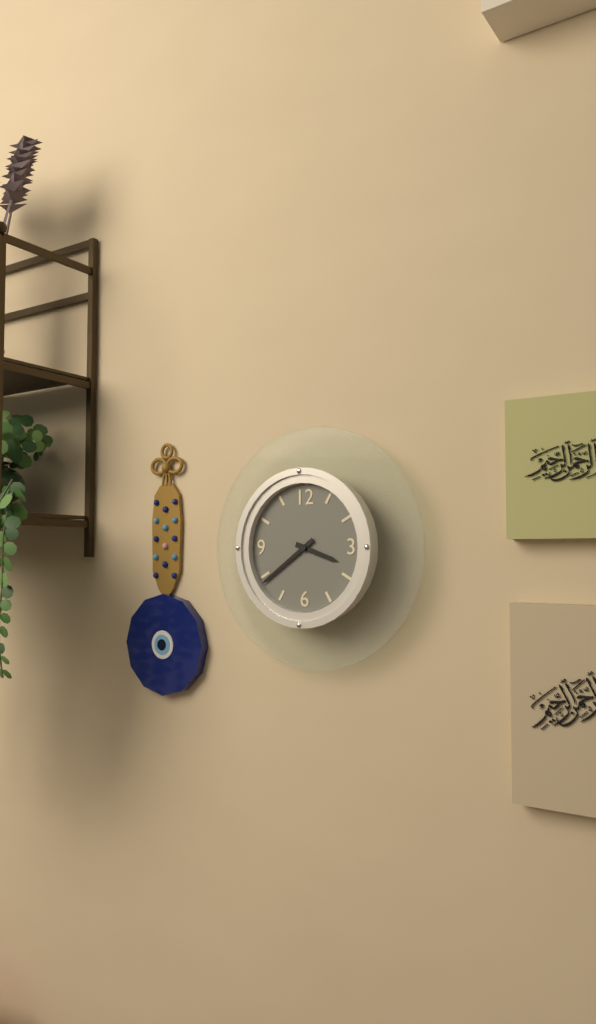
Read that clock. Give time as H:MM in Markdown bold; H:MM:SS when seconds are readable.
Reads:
**3:39**
